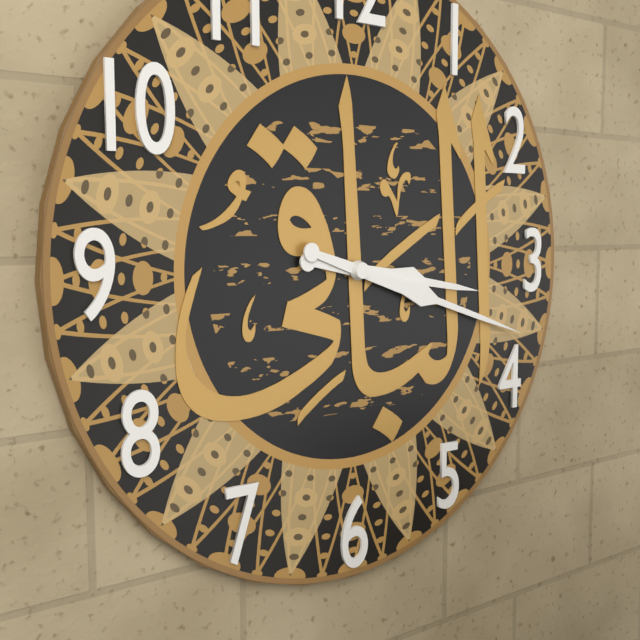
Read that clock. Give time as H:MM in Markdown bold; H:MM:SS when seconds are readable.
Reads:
**3:18**
